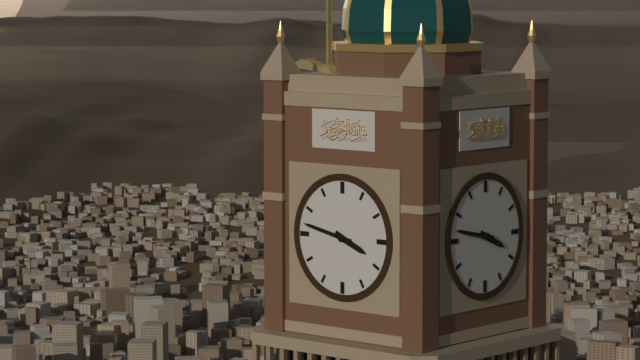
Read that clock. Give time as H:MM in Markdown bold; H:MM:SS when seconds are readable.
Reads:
**3:47**
